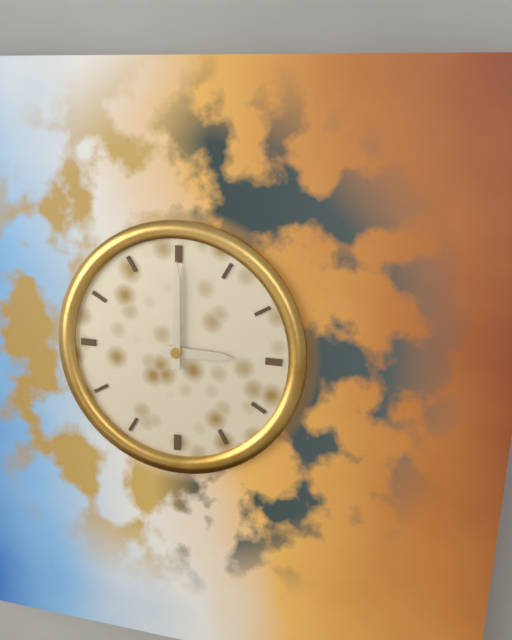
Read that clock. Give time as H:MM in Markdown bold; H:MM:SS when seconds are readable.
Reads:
**3:00**
